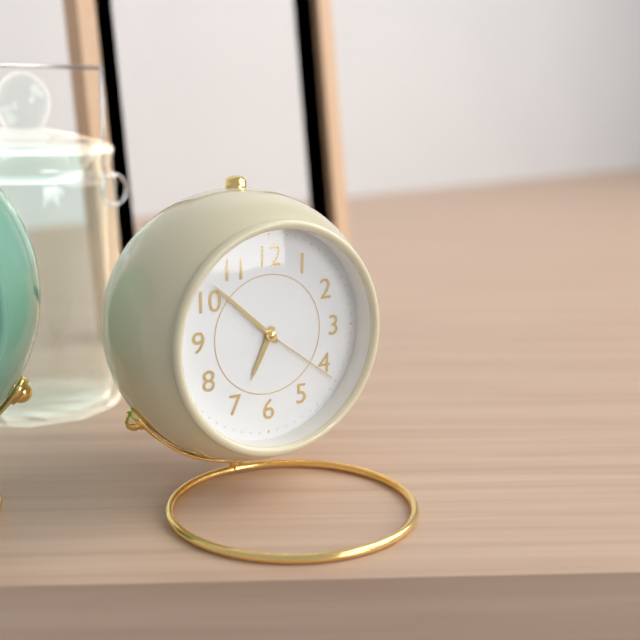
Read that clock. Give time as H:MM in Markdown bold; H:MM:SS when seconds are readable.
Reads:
**6:52:21**
